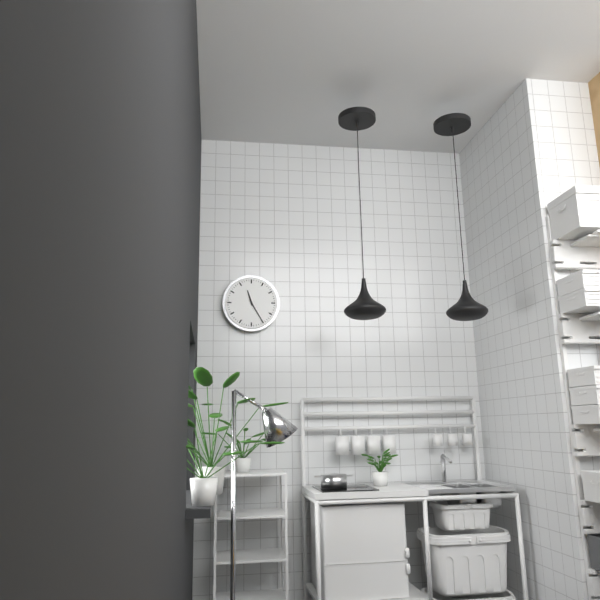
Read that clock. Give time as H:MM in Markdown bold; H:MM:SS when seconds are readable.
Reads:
**11:25**
